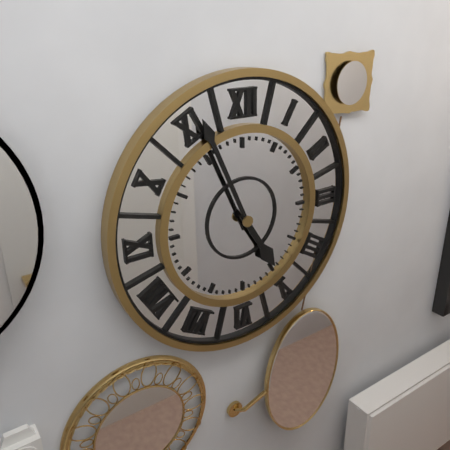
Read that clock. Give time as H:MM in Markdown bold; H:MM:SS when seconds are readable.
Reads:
**4:56**
